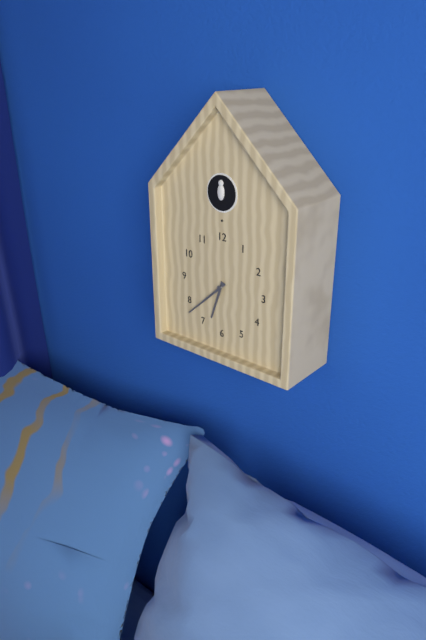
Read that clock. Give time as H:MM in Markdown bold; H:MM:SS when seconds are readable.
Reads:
**6:38**
